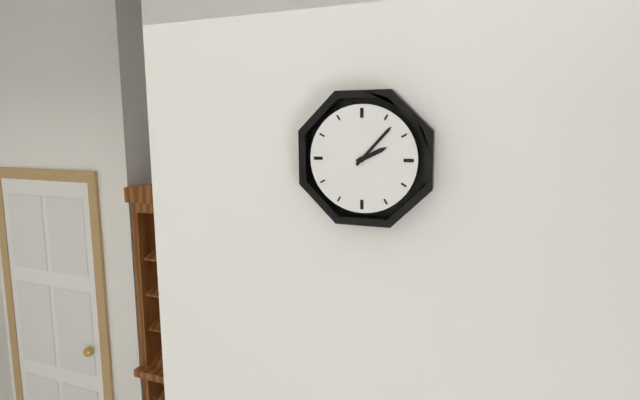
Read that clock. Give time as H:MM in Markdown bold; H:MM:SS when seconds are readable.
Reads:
**2:07**
